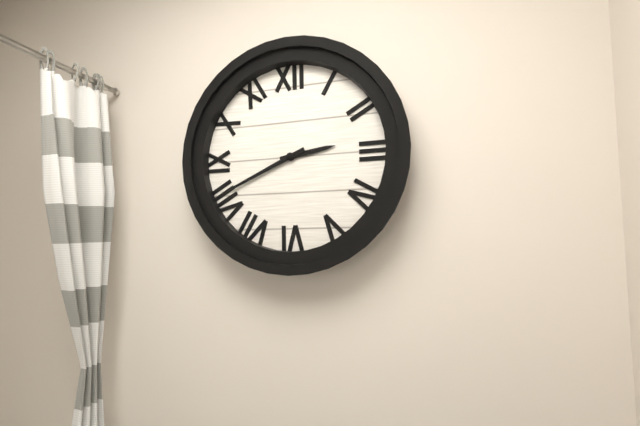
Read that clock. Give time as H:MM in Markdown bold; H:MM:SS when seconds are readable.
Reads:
**2:41**
